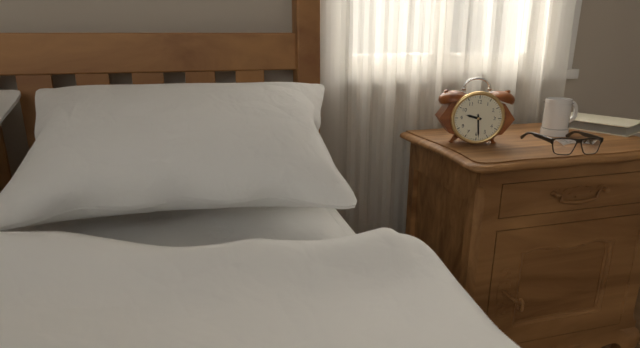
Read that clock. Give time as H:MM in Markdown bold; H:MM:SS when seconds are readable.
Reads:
**9:29**
